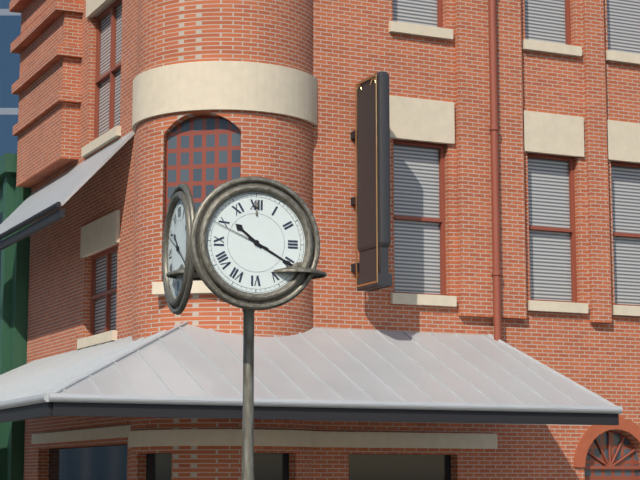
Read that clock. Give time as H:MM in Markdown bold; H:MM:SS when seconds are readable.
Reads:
**10:20:49**
